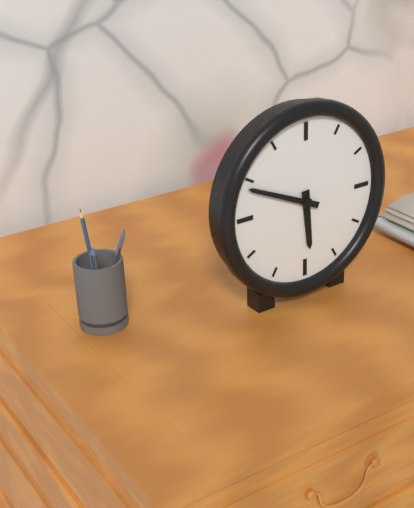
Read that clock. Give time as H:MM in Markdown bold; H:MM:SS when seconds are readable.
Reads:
**5:49**
